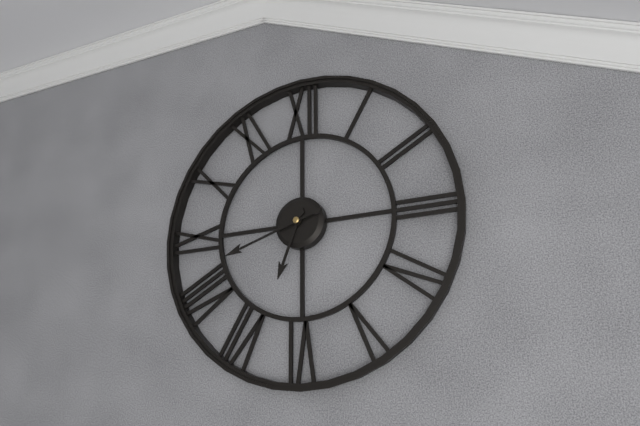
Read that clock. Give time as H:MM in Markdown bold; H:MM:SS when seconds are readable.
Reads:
**6:42**
